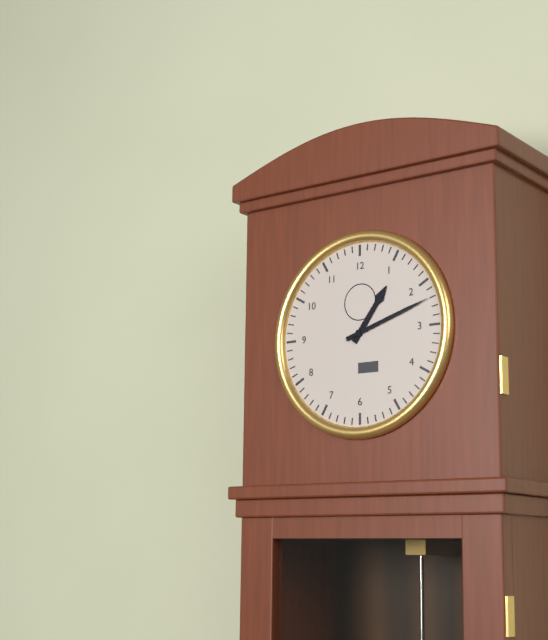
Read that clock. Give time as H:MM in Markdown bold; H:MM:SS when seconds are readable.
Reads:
**1:12**
